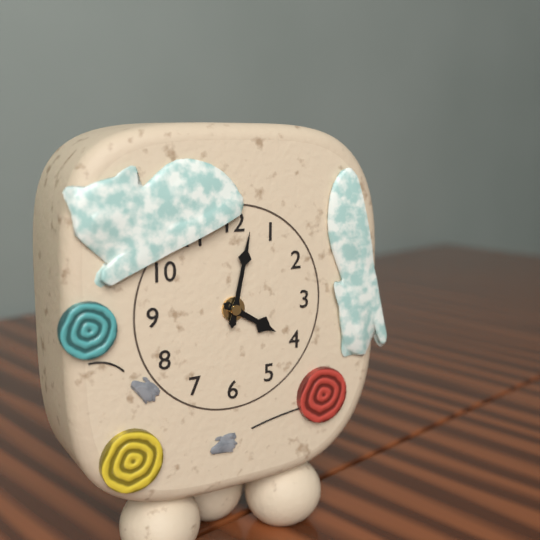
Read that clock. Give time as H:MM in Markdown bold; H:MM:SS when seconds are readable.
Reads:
**4:02**
